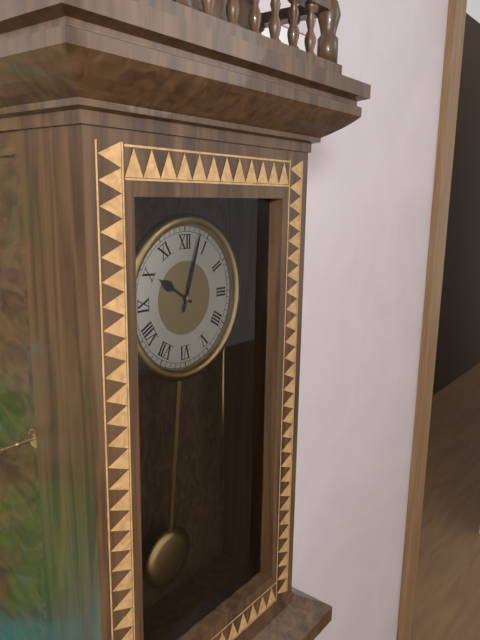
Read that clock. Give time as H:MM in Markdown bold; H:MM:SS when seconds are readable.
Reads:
**10:03**
